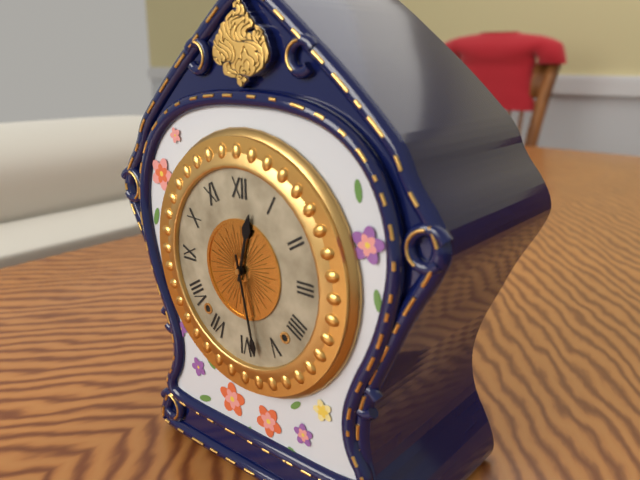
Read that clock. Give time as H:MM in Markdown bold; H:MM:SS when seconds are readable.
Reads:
**12:28**
